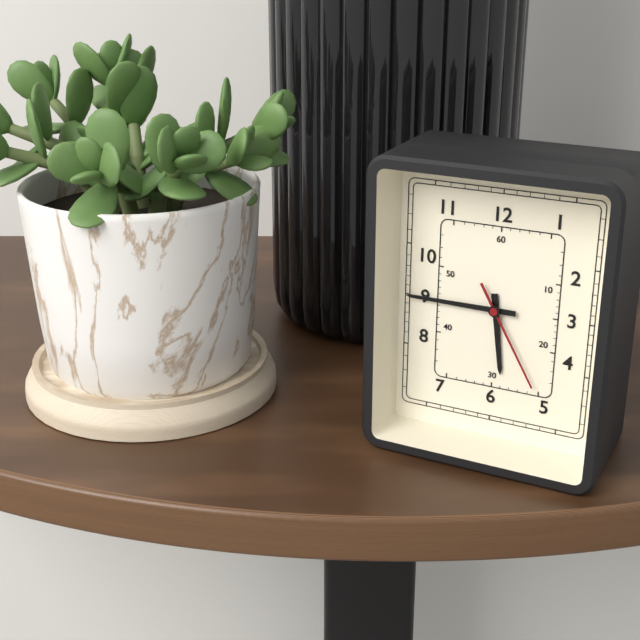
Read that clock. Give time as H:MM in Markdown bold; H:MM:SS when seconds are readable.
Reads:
**5:45:25**
